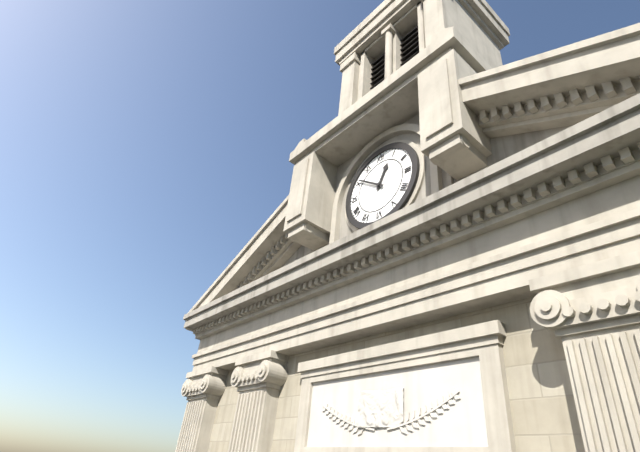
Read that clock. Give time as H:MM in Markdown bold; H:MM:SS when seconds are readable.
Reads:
**12:51**
